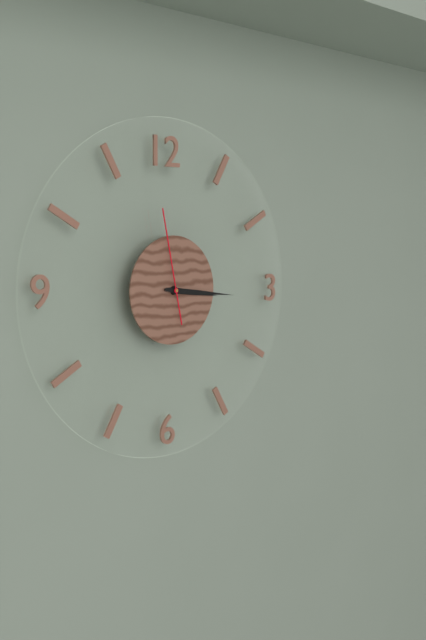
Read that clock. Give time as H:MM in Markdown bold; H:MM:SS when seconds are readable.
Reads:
**3:16:58**
